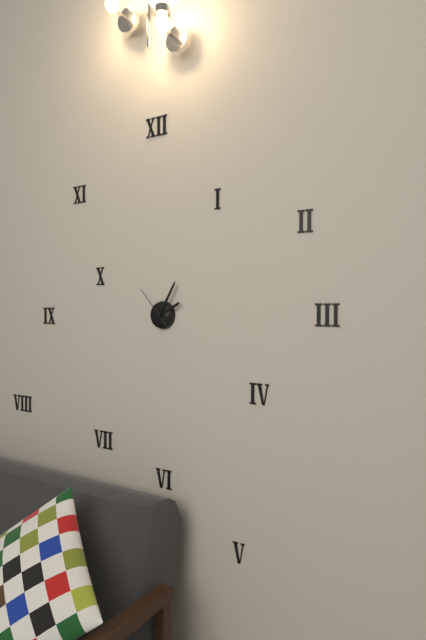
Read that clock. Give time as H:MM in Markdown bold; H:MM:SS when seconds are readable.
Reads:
**2:05**
